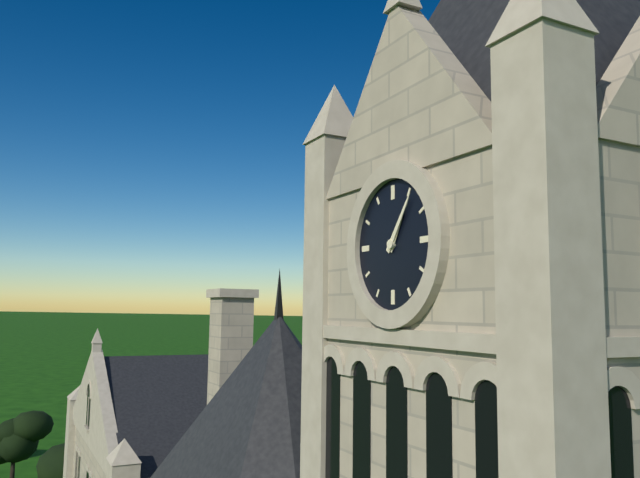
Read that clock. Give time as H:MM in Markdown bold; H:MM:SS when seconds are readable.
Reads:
**1:06**
